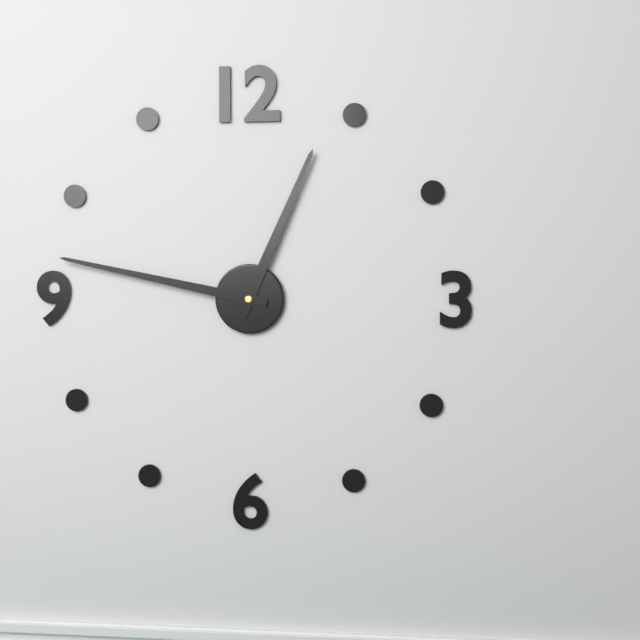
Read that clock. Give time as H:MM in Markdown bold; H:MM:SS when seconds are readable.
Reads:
**12:47**
